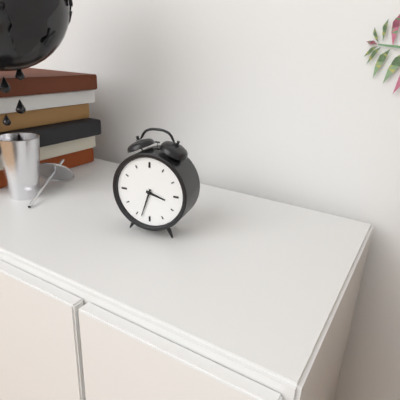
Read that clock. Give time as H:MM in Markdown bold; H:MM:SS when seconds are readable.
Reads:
**3:33**
